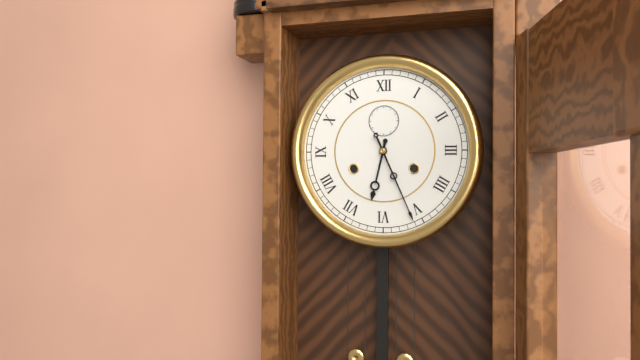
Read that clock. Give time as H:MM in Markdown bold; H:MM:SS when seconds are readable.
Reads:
**6:26**
